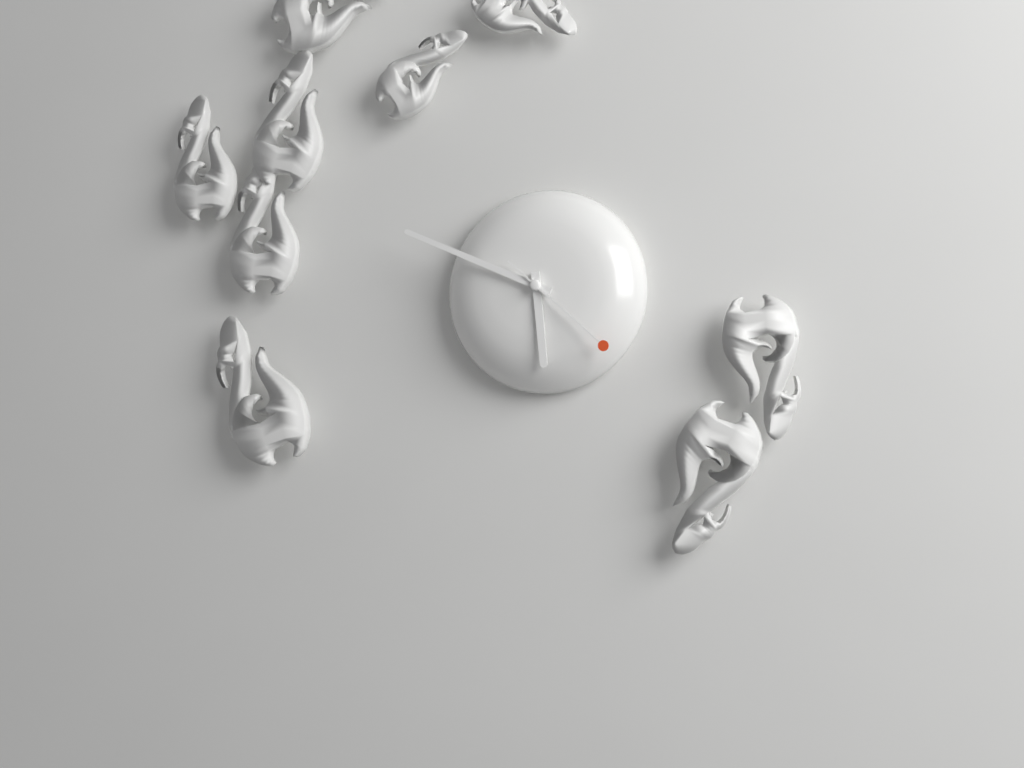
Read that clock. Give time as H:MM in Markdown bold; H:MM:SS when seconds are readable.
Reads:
**5:49:22**
